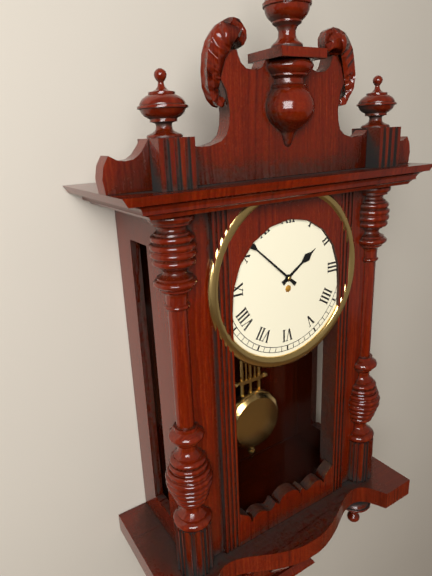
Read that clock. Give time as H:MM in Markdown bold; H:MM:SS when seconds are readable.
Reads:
**1:52**
